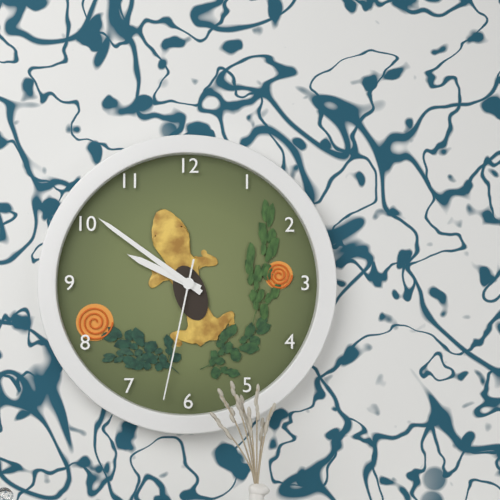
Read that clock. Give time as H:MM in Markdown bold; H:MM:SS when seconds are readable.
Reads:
**9:51:32**
